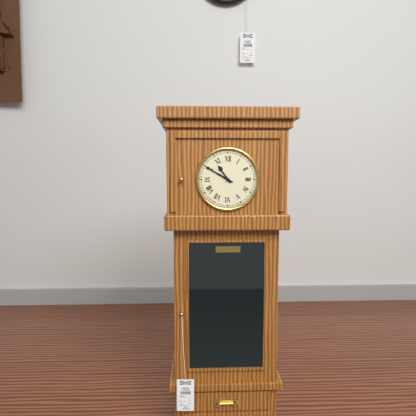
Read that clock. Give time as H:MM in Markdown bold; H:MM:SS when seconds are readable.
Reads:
**10:50**
